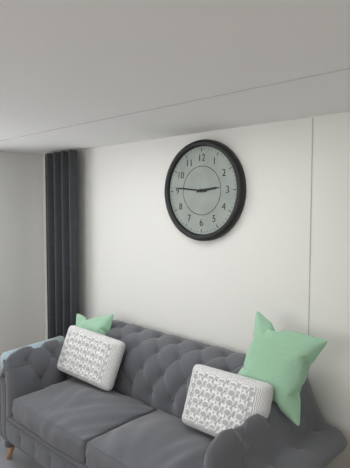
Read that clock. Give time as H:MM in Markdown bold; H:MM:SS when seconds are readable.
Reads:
**2:46**
